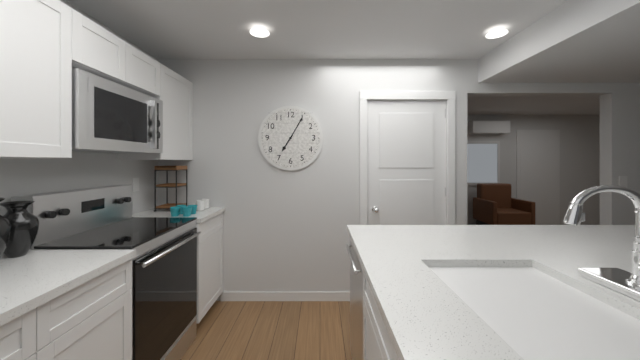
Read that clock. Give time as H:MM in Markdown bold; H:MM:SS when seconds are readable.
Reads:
**7:05**
